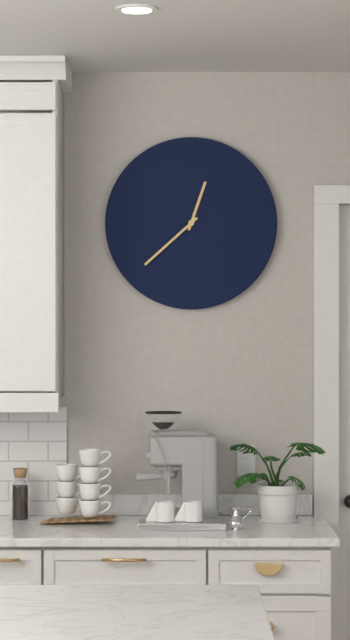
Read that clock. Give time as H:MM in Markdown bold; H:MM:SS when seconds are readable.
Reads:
**12:38**
